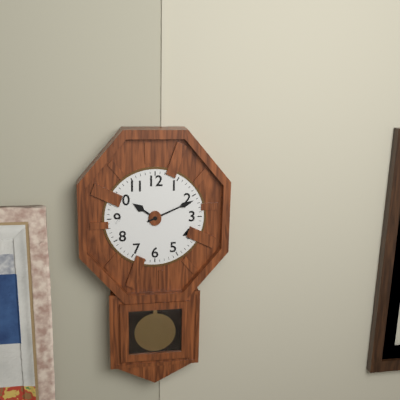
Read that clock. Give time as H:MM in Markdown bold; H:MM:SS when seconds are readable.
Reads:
**10:11**
